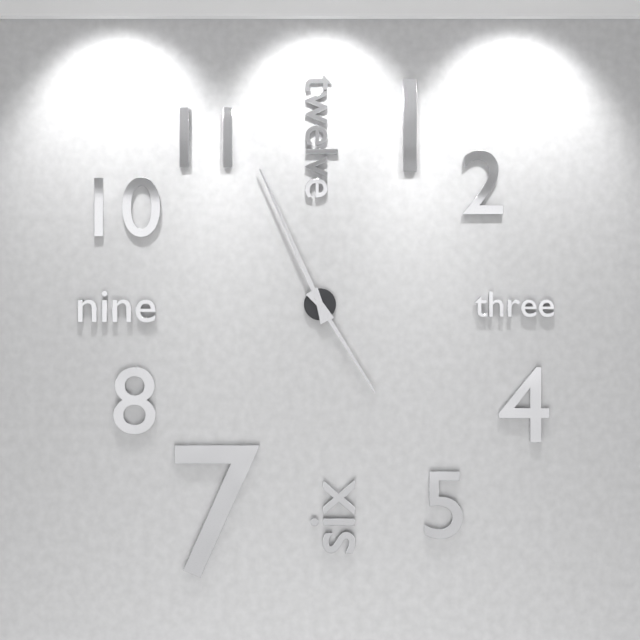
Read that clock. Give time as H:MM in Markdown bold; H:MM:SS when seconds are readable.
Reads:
**4:56**
